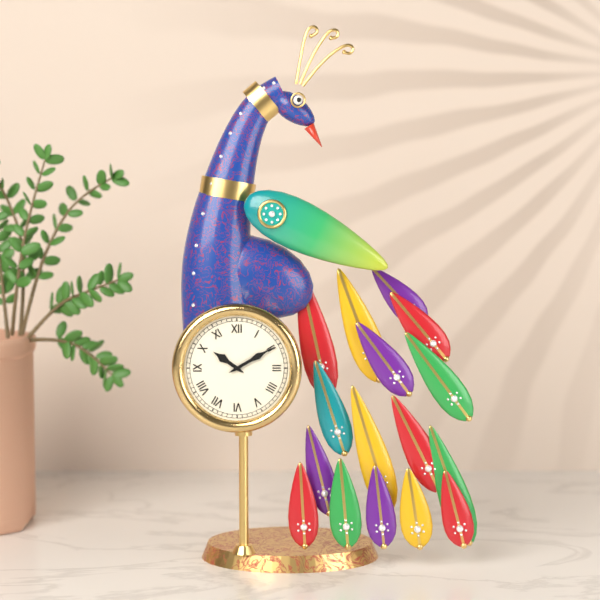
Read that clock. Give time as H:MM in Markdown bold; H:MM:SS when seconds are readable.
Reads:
**10:10**
